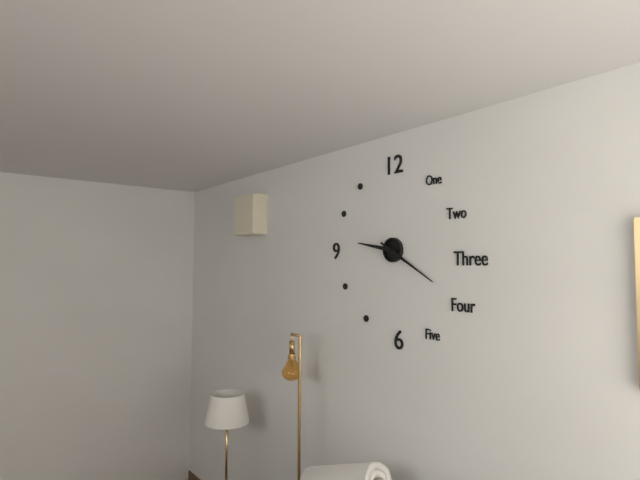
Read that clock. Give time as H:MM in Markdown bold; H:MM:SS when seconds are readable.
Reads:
**9:20**
